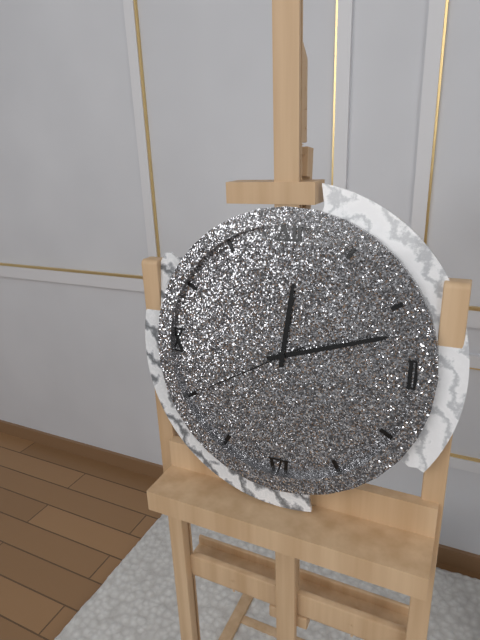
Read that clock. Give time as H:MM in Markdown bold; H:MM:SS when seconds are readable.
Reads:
**12:12:40**
